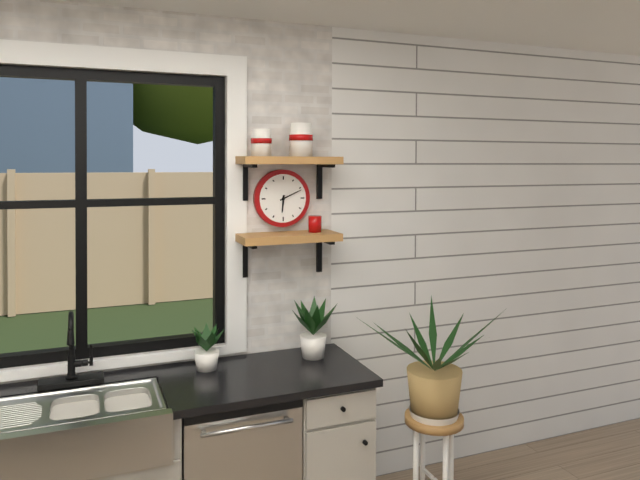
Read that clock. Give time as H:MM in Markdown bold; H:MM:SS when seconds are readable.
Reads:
**6:11**
